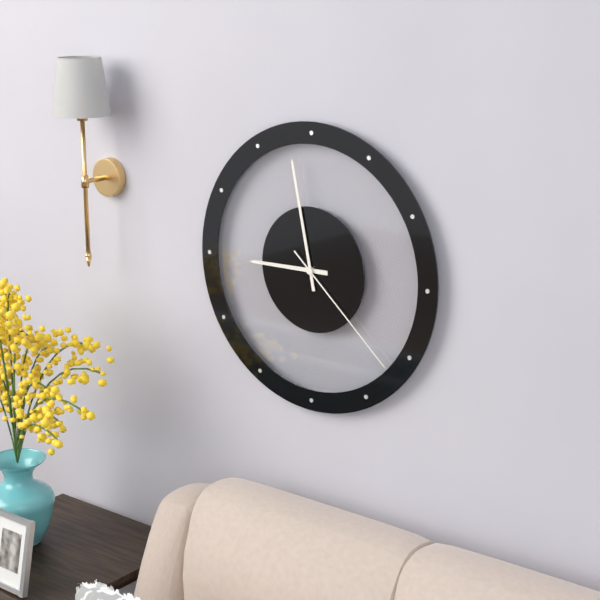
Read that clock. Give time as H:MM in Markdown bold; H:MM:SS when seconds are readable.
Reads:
**8:58:22**
